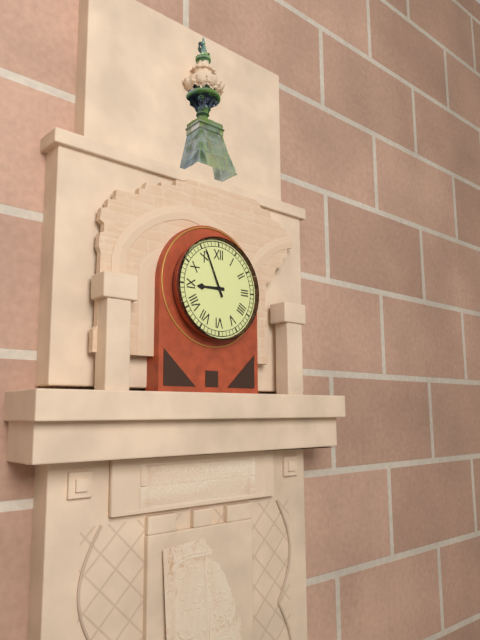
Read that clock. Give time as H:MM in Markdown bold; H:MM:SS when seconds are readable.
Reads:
**8:56**
